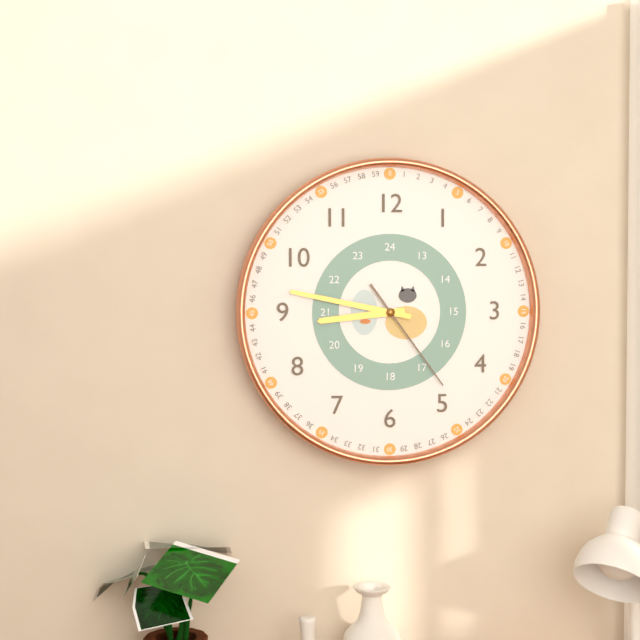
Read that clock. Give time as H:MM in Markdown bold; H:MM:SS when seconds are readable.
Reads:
**8:47:24**
